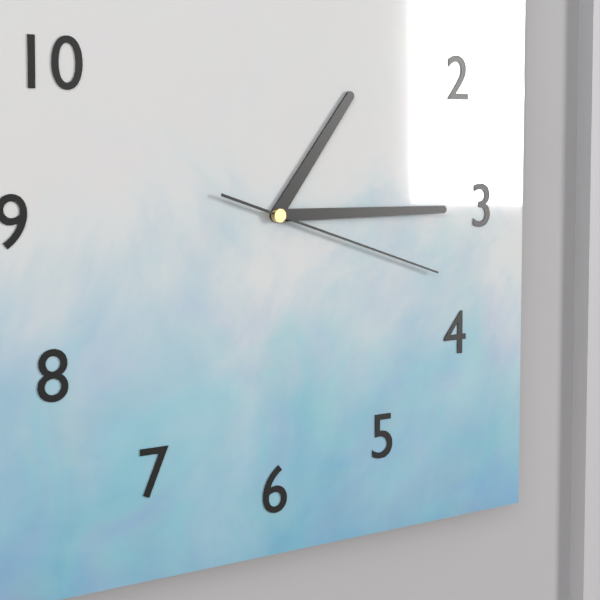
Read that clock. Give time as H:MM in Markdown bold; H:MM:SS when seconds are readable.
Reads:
**1:15:18**
